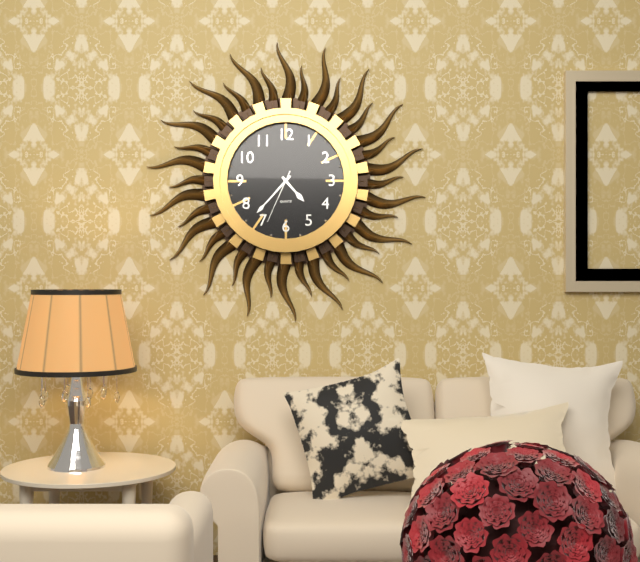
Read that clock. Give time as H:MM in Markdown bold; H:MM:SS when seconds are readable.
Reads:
**4:37:34**
